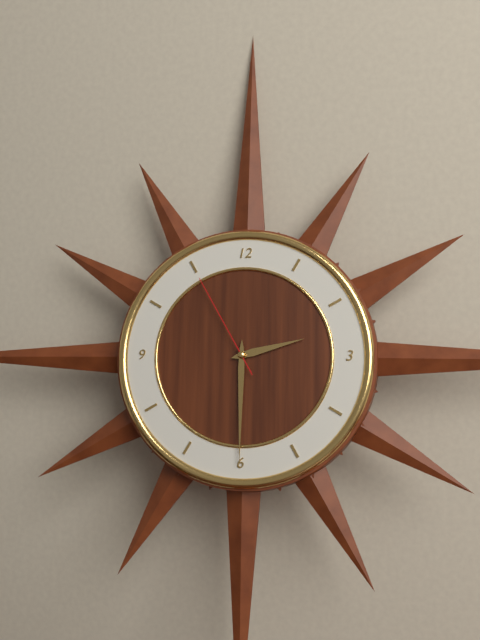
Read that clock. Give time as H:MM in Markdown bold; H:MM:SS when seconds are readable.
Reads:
**2:30:55**
